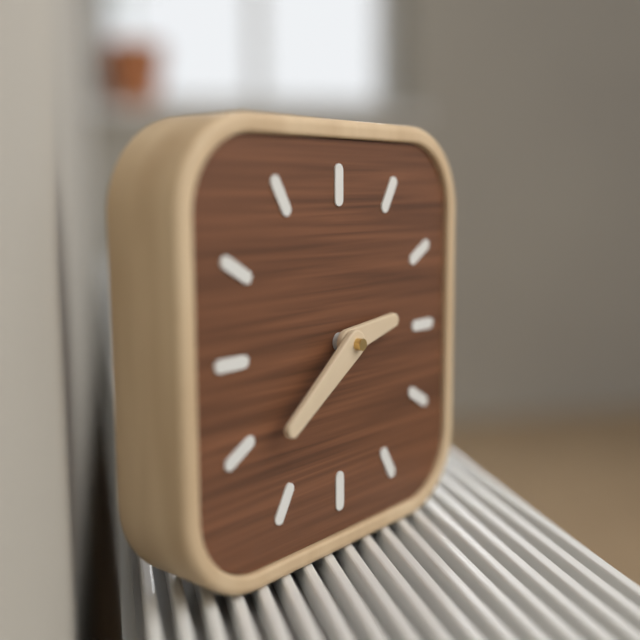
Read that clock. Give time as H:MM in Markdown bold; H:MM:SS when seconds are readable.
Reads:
**2:39**
